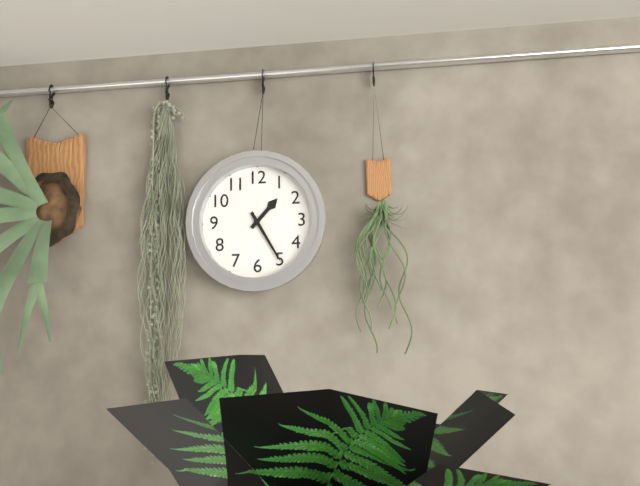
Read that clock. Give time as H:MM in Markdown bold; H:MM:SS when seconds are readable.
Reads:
**1:25**
